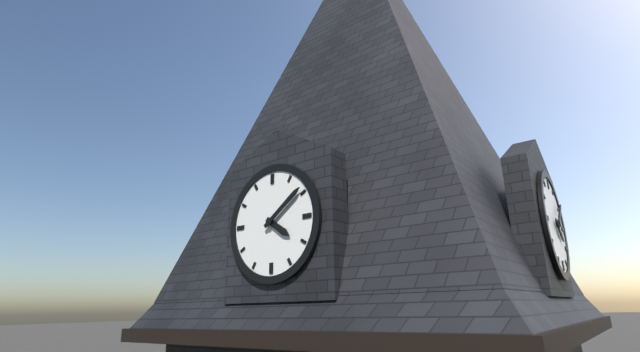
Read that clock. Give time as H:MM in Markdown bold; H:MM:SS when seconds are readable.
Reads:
**4:09**
